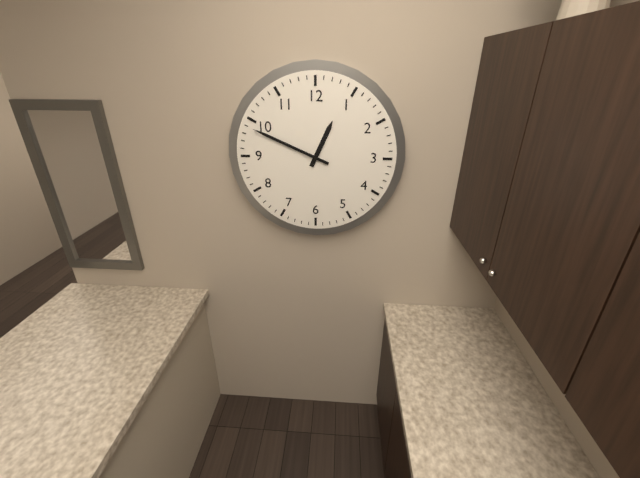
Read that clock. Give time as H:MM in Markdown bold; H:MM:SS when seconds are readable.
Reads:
**12:49**
